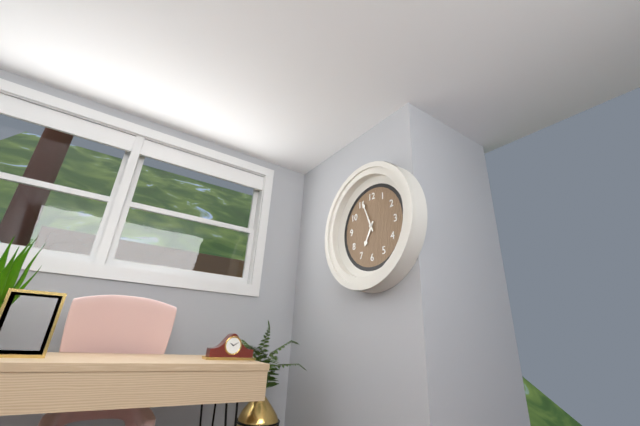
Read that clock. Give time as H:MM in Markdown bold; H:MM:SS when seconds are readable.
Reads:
**6:56**
